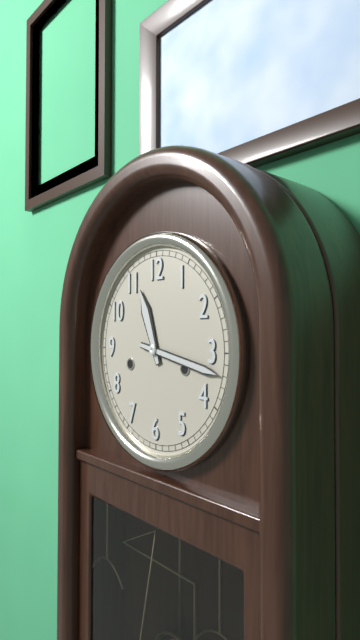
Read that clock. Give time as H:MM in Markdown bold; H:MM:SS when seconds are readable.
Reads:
**11:17**
